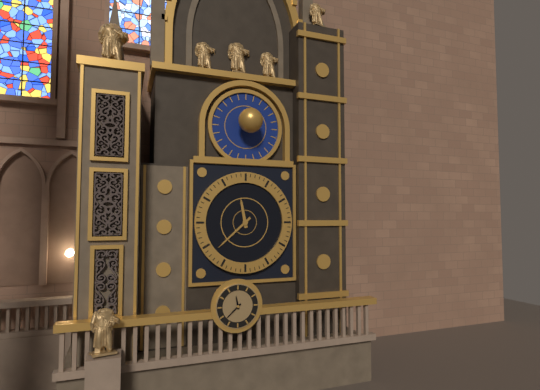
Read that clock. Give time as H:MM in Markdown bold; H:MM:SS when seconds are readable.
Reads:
**11:38**
